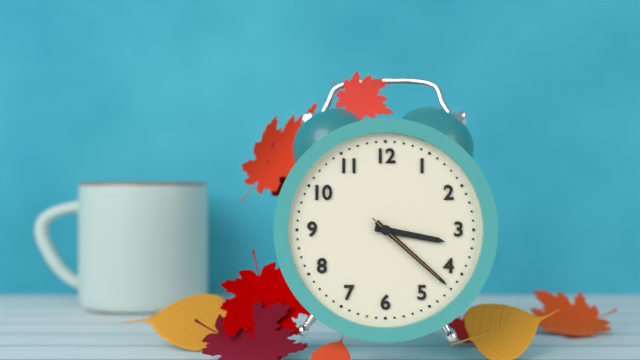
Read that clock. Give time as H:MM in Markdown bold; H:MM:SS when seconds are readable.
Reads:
**3:22:22**
